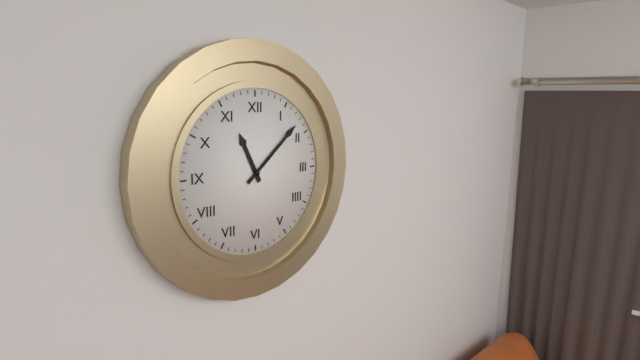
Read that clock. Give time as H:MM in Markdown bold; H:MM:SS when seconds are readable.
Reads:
**11:08**
